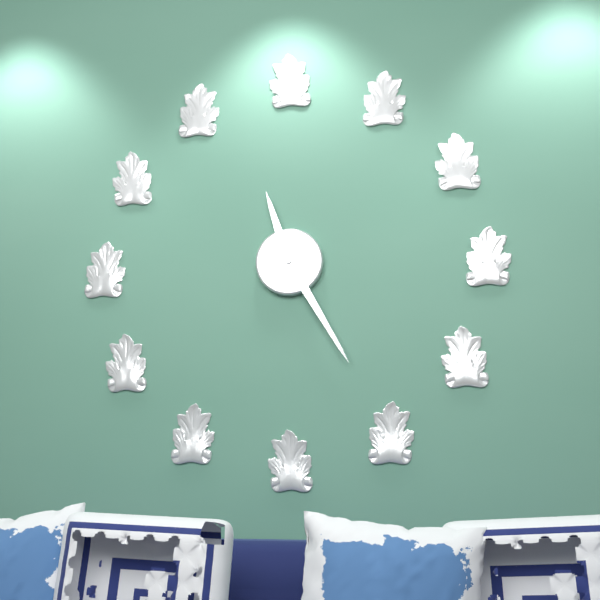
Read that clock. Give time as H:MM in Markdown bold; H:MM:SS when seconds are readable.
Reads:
**11:25**
